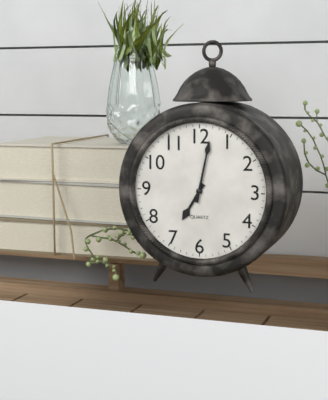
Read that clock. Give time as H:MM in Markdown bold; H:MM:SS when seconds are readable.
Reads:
**7:02**
